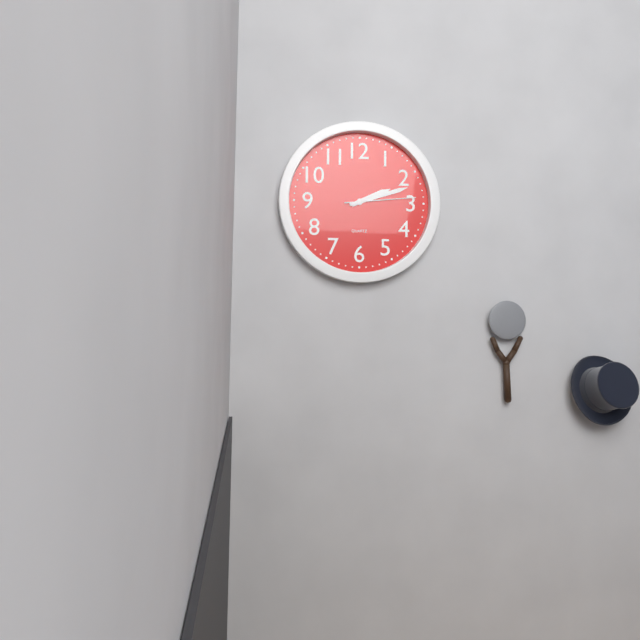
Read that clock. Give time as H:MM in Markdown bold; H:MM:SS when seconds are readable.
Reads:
**2:12:14**
